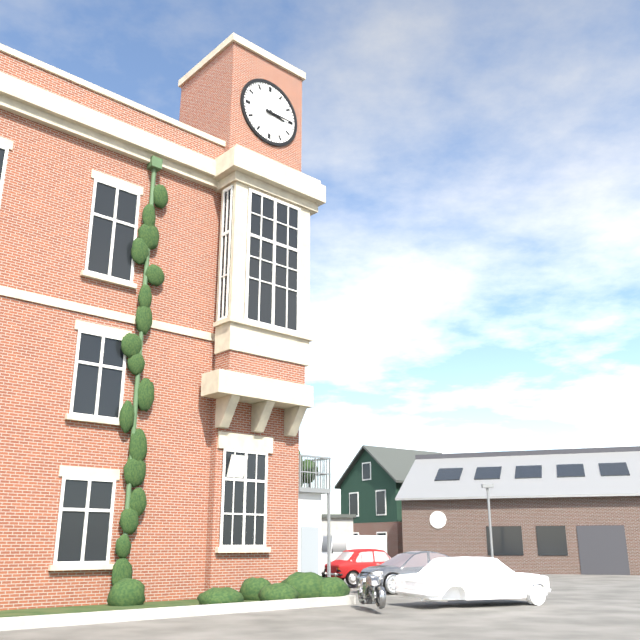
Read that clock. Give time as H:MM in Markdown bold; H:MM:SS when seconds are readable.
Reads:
**3:15**
